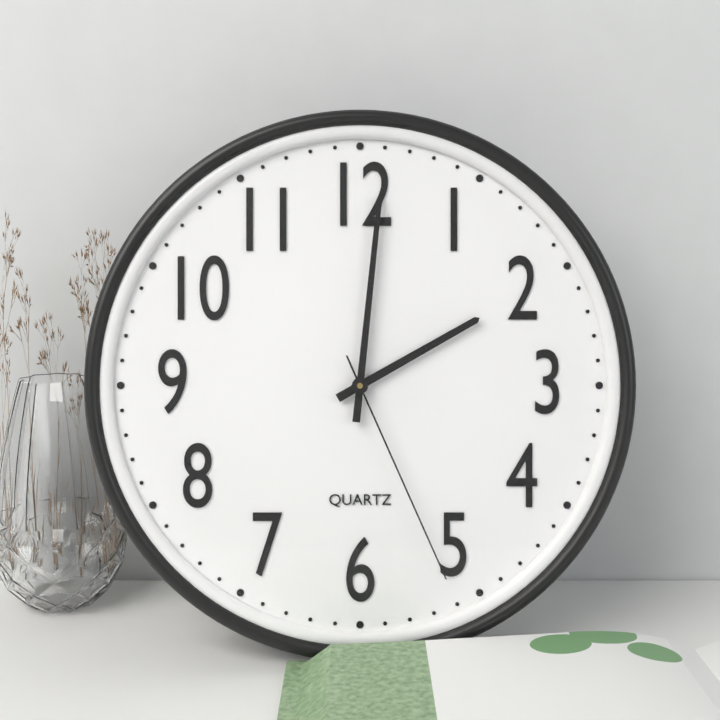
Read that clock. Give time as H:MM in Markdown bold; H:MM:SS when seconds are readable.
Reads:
**2:01:26**
